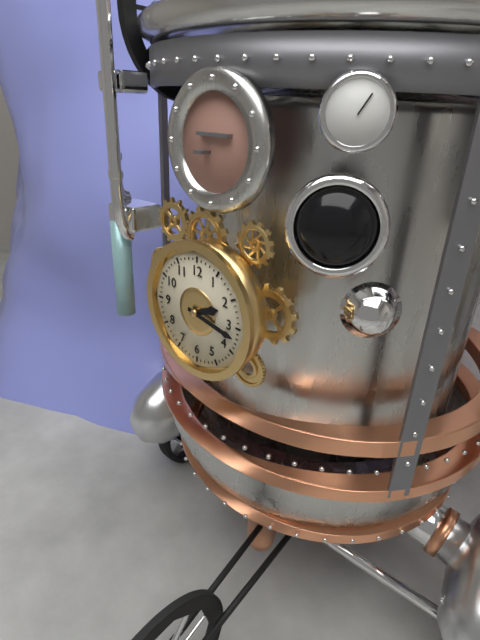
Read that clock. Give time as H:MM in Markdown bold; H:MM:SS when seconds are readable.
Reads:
**2:17**
